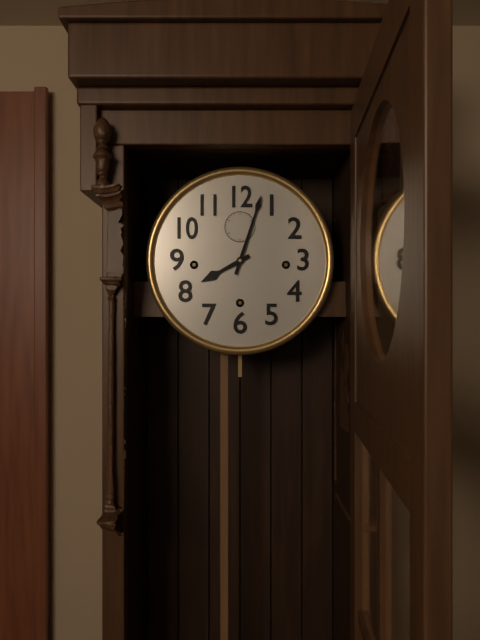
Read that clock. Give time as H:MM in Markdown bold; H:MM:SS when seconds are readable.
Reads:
**8:03**
